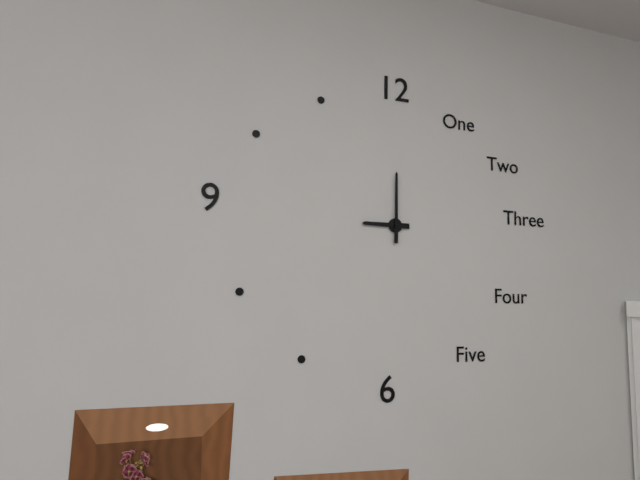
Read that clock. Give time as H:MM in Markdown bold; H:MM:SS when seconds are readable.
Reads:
**9:00**
